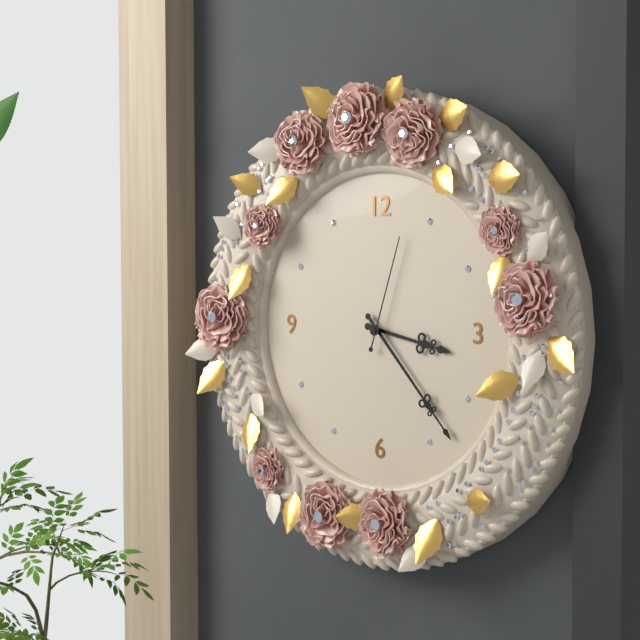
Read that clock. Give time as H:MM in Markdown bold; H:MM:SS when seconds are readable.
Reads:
**3:23:03**
